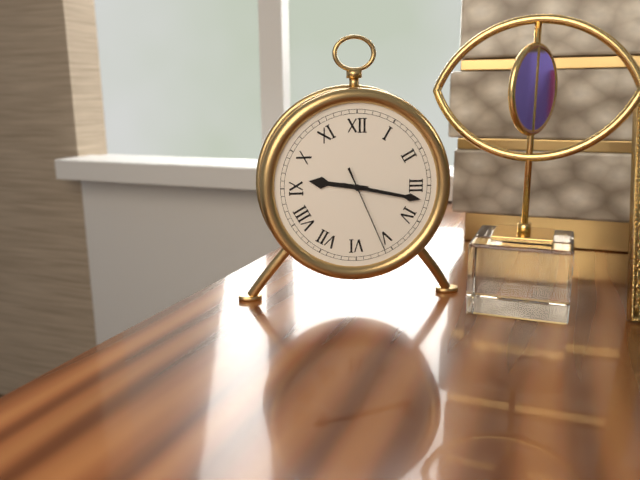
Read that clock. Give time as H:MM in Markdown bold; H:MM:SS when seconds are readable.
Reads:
**9:17:26**
